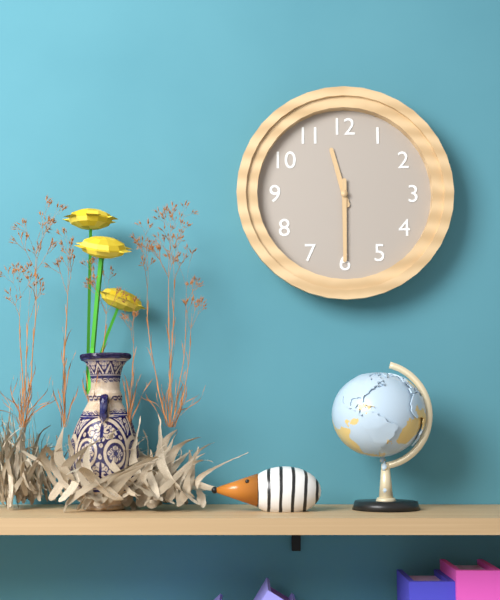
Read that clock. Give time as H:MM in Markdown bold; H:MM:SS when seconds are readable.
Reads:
**11:30**
